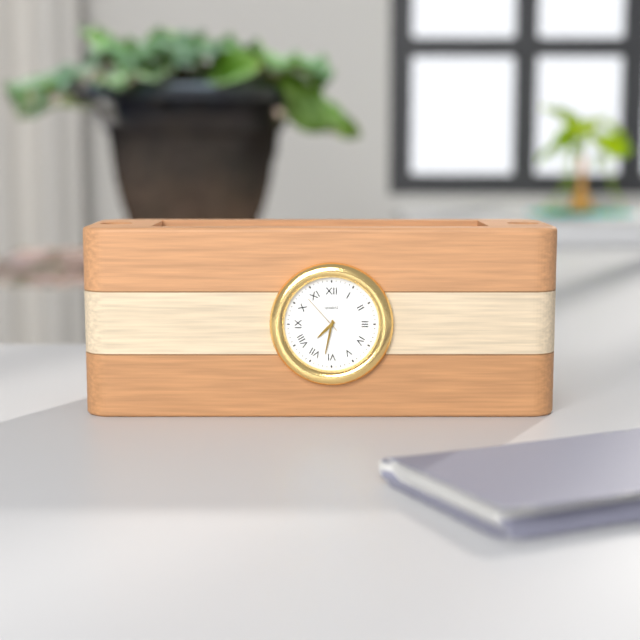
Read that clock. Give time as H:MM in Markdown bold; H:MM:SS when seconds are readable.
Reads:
**7:32**
